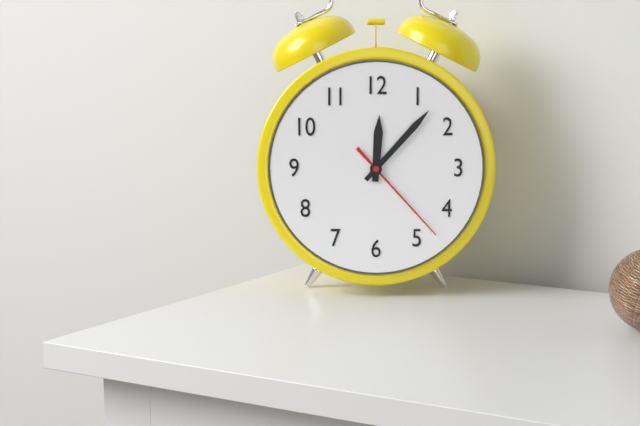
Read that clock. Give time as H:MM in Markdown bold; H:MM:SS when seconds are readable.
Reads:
**12:07:23**
